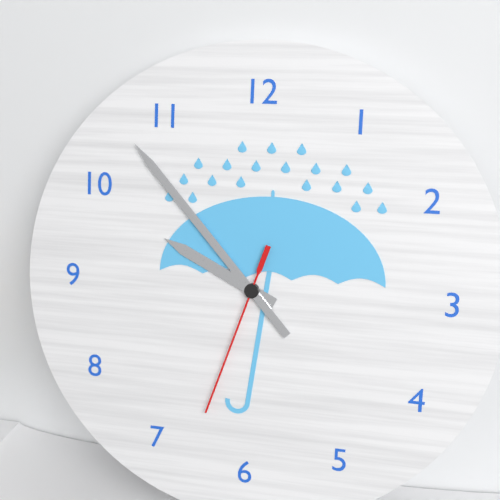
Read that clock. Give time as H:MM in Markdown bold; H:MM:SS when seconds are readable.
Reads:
**9:53:33**
